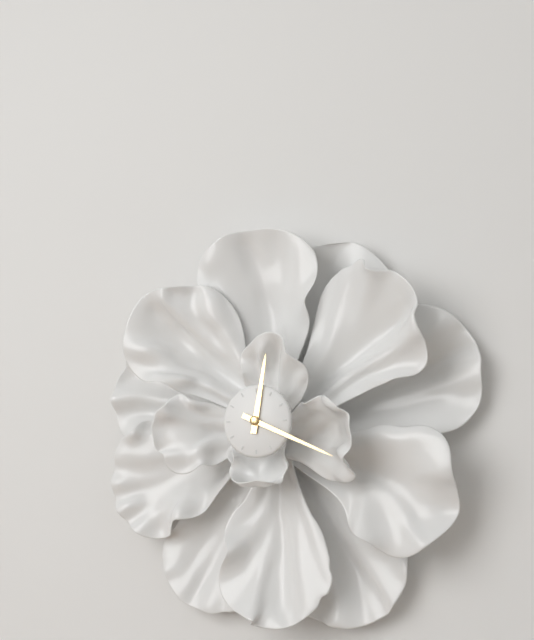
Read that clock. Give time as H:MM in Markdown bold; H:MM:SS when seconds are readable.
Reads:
**12:19**
